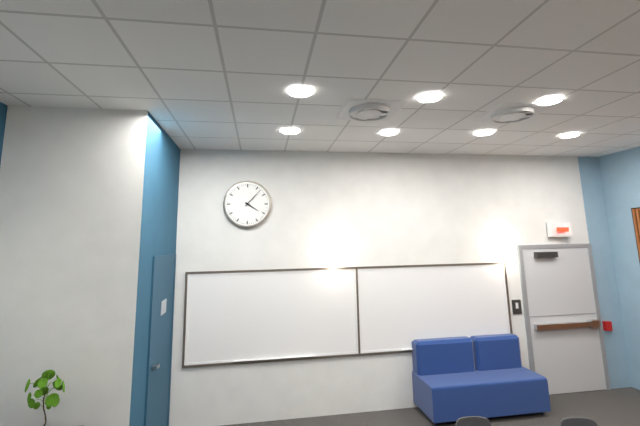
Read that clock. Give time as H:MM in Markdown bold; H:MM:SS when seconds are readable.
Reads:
**4:07**
